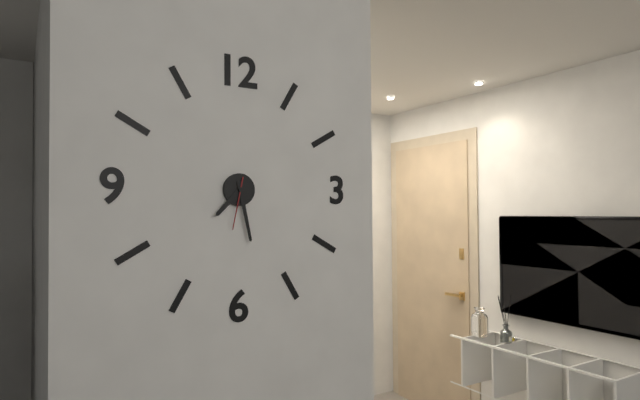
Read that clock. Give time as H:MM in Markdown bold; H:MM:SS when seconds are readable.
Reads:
**7:28:32**
